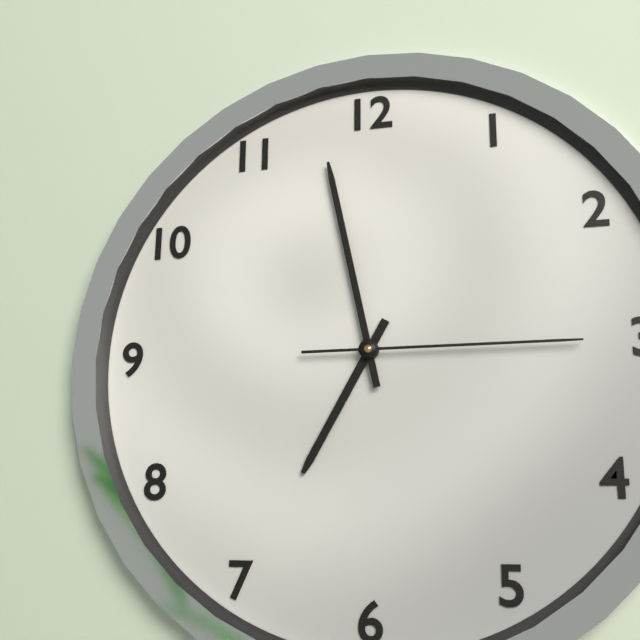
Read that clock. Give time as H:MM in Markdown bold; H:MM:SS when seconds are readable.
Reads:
**6:58:15**
